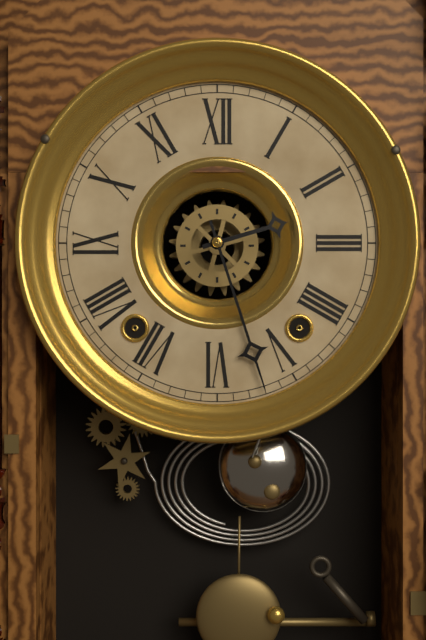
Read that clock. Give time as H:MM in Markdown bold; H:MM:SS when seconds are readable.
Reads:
**2:27**
